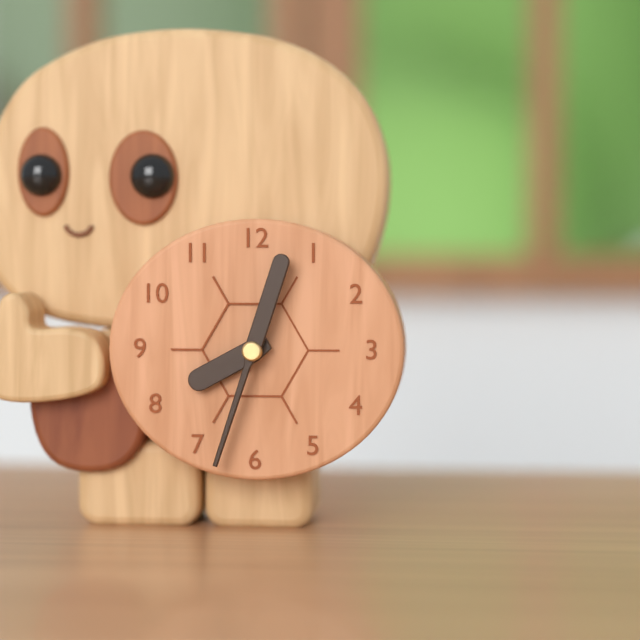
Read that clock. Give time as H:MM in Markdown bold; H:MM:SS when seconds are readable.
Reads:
**8:03**
